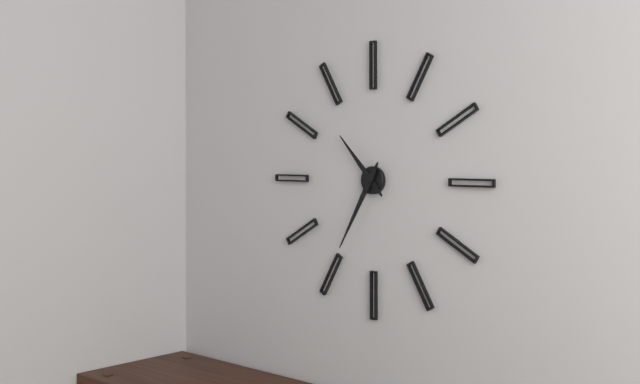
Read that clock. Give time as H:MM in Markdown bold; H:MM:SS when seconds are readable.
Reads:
**10:35**
